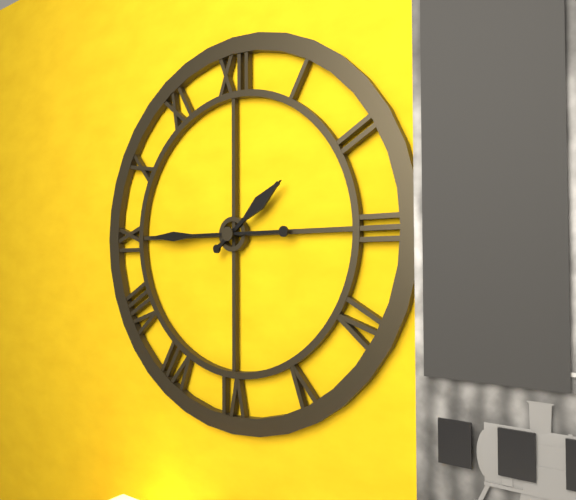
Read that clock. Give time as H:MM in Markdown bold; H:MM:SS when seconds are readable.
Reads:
**1:45**
